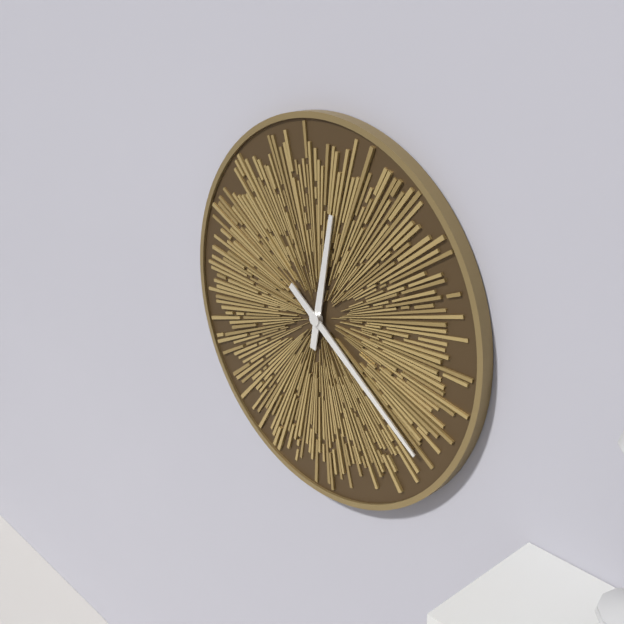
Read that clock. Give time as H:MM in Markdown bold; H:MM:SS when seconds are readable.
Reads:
**12:21**
